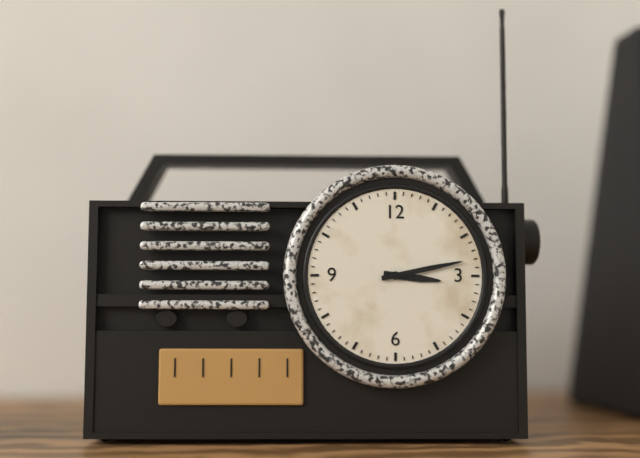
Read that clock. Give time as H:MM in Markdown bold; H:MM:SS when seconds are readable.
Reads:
**3:13**
